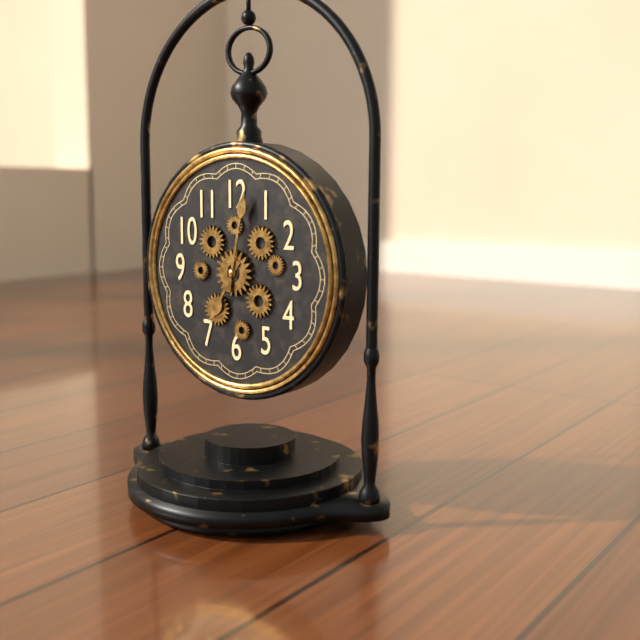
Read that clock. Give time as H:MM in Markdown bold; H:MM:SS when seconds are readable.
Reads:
**7:02**
